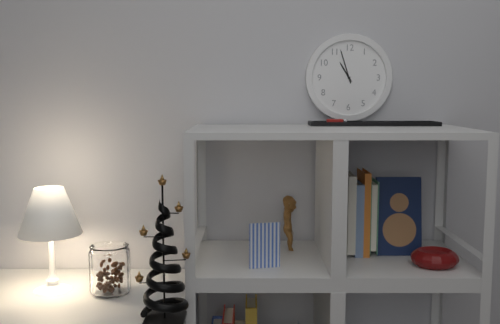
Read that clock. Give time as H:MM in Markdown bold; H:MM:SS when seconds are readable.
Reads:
**10:57**
